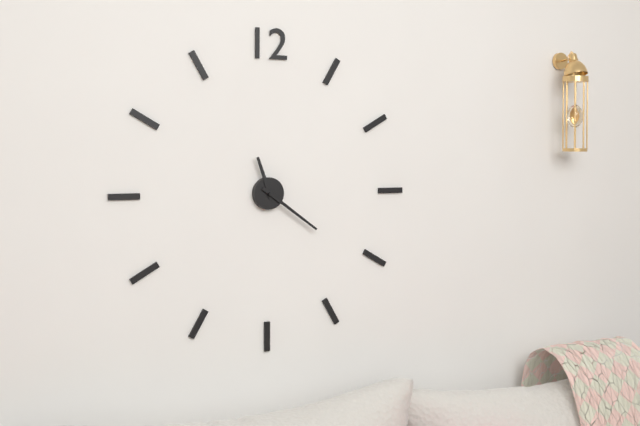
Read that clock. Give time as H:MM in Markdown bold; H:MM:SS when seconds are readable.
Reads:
**11:21**
